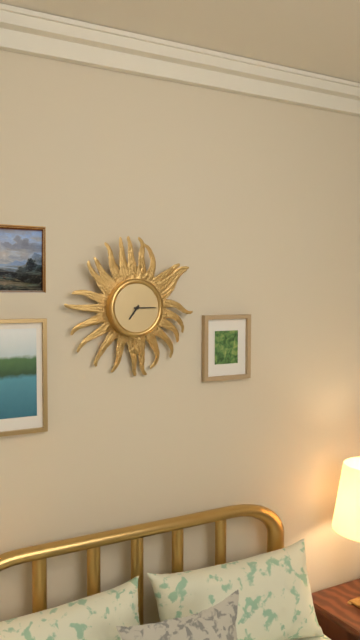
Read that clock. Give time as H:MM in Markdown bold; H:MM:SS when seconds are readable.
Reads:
**7:15**
